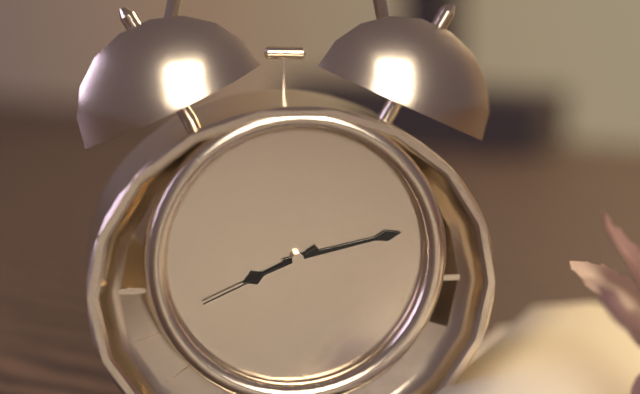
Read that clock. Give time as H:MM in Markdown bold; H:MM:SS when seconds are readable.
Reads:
**8:13:41**
